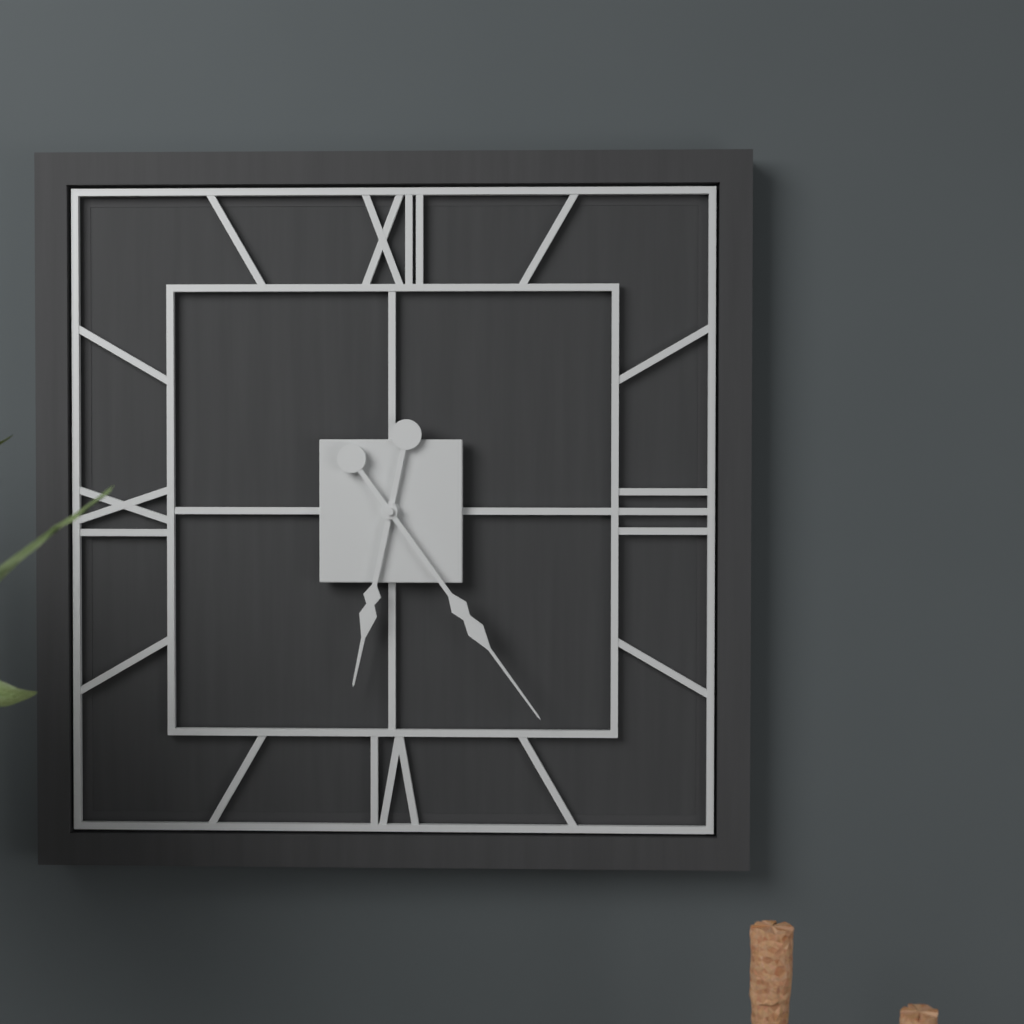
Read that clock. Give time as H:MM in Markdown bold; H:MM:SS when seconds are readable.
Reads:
**6:24**
